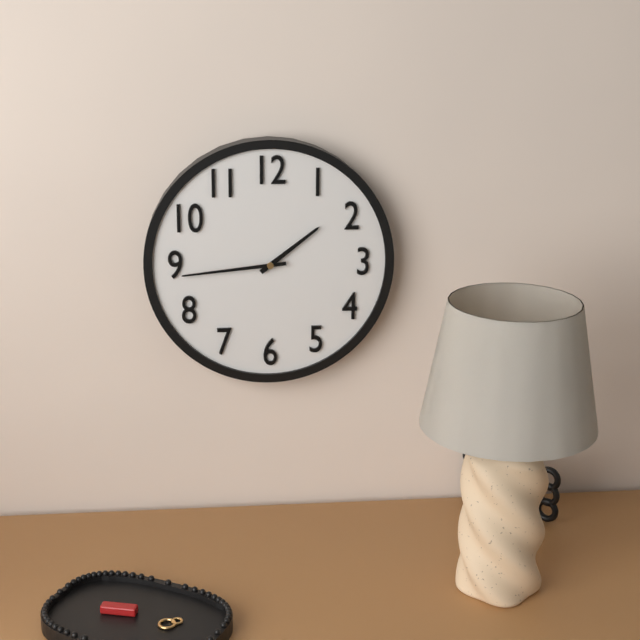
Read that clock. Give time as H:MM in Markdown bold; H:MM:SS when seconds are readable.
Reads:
**1:44**
